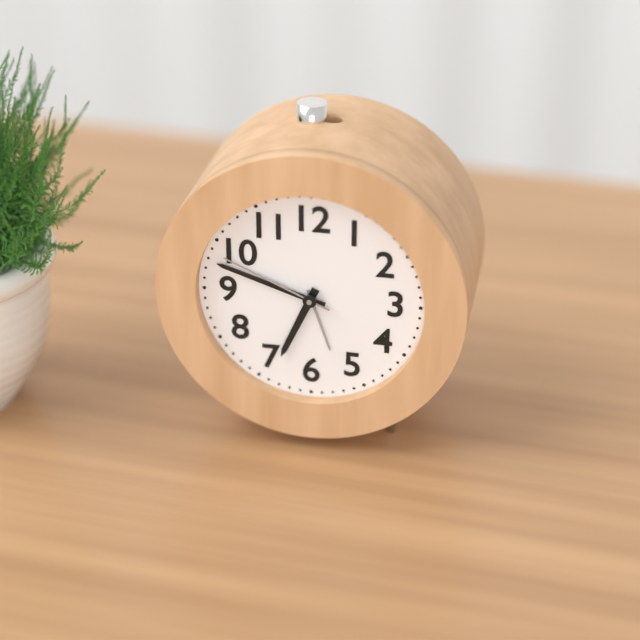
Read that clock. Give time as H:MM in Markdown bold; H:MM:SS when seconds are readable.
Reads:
**6:48:49**
